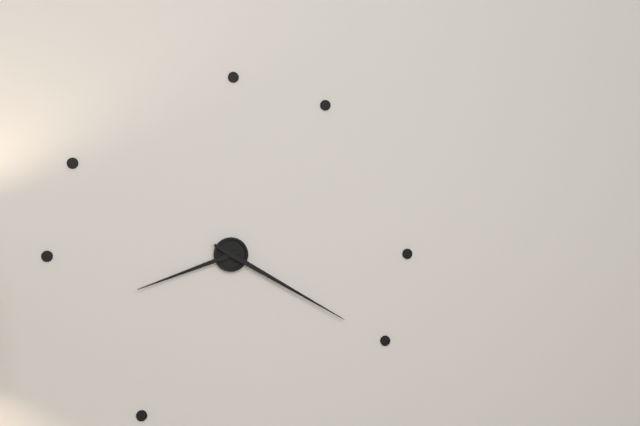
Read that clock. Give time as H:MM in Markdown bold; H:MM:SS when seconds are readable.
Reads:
**8:20**
